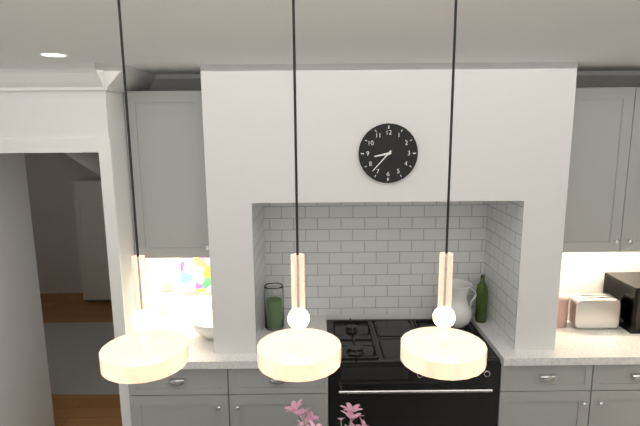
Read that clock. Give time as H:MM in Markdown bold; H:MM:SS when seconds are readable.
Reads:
**8:37**
